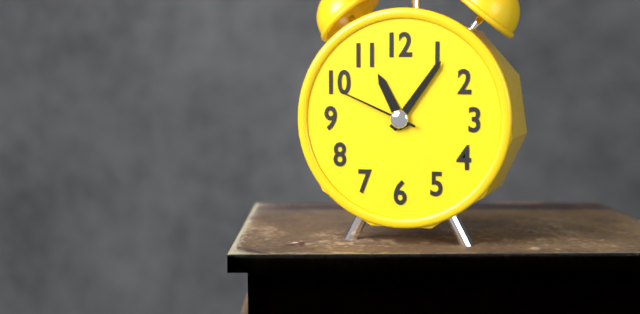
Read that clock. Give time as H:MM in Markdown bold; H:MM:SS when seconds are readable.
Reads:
**11:06:49**
